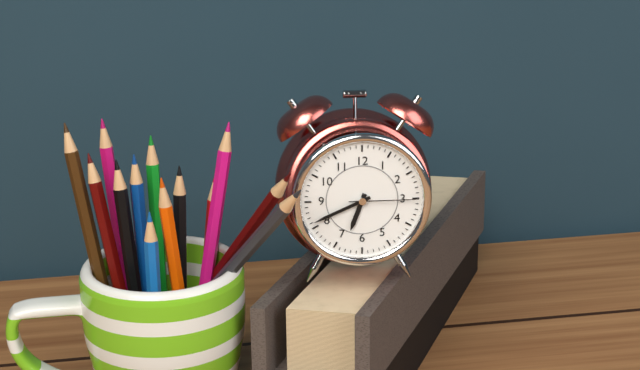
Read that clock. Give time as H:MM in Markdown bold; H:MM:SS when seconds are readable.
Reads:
**6:41:15**
